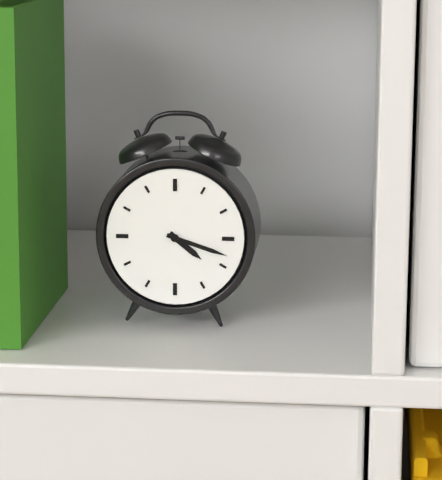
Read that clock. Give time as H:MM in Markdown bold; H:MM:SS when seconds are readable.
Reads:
**4:18**
